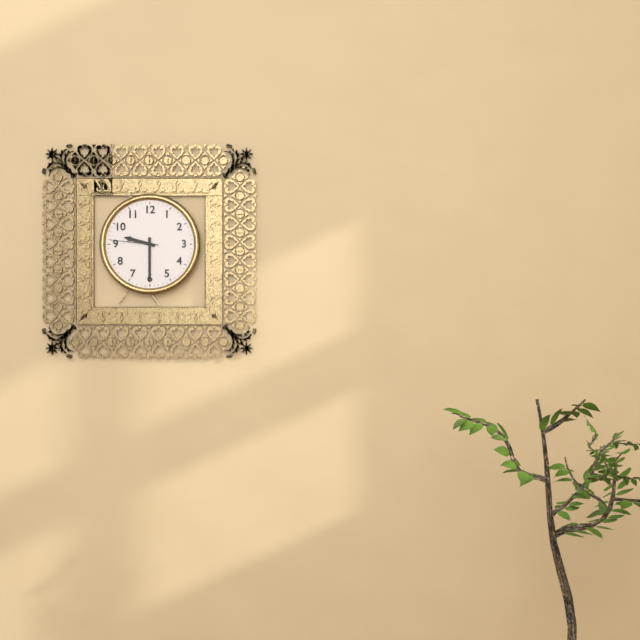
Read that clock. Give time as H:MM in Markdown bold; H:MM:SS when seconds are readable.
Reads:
**9:30:46**
